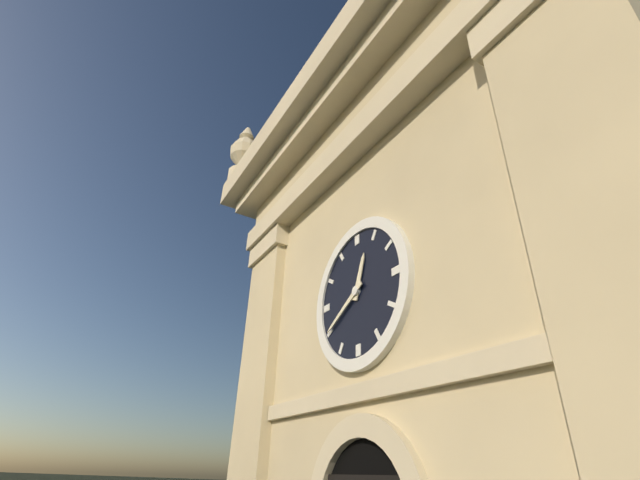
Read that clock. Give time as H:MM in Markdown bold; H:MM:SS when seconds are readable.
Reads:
**12:40**
